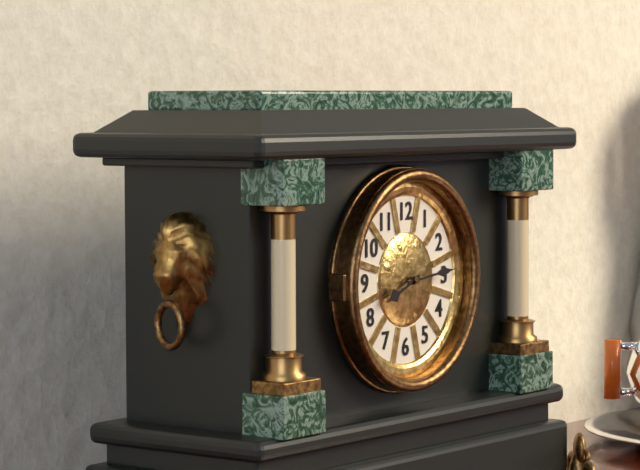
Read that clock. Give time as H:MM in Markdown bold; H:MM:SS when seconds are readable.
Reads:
**8:14**
